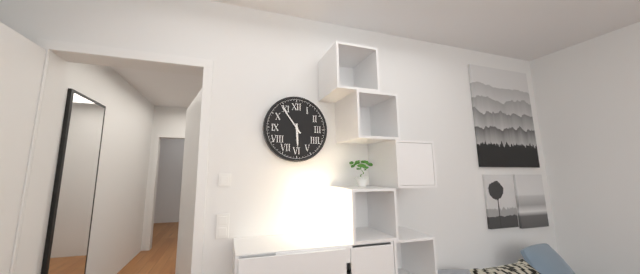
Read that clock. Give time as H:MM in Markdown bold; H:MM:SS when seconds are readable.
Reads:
**5:54**
